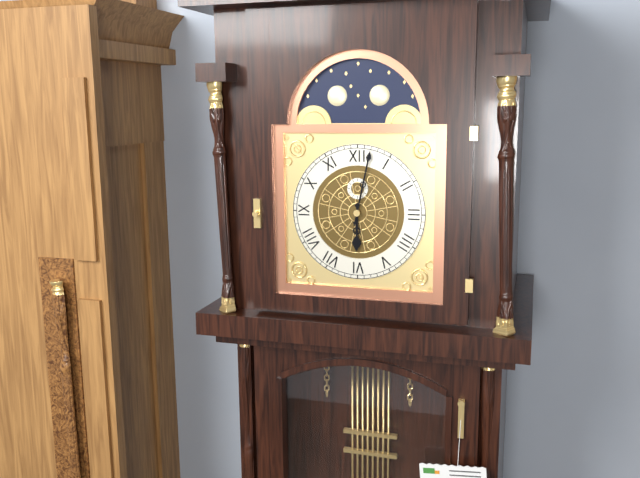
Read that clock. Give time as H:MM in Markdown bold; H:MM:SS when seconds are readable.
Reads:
**6:02**
